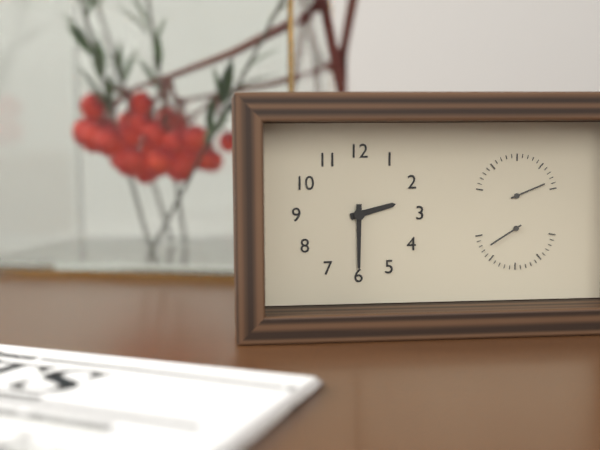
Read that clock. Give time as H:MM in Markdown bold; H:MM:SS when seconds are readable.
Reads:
**2:30**
